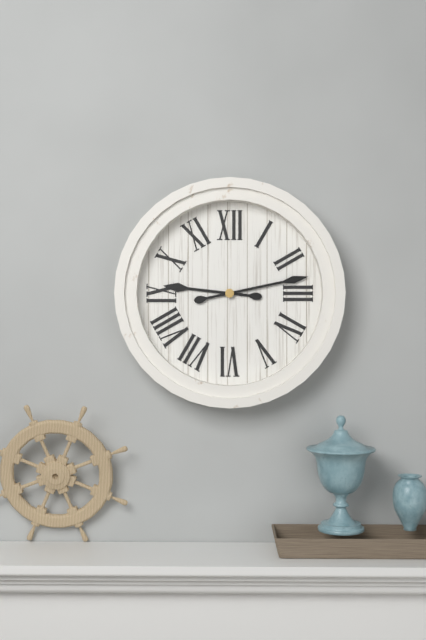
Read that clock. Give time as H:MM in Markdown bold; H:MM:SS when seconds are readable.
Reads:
**9:13**
